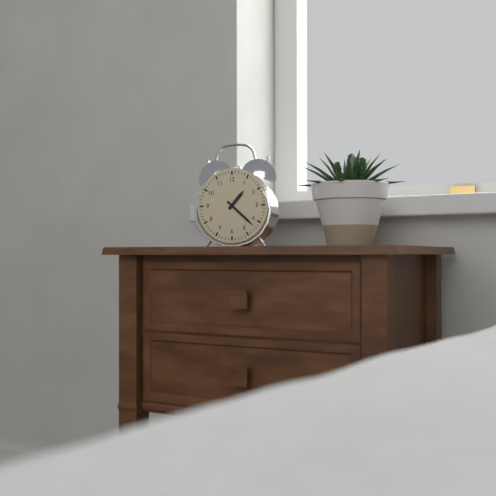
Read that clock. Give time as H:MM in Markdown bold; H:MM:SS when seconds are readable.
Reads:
**1:22**
